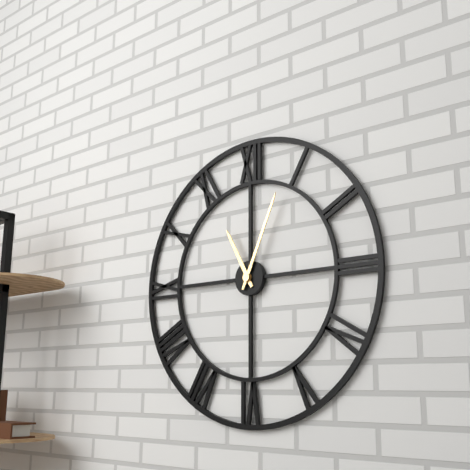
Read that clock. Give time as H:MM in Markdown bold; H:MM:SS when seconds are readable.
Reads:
**11:04**
